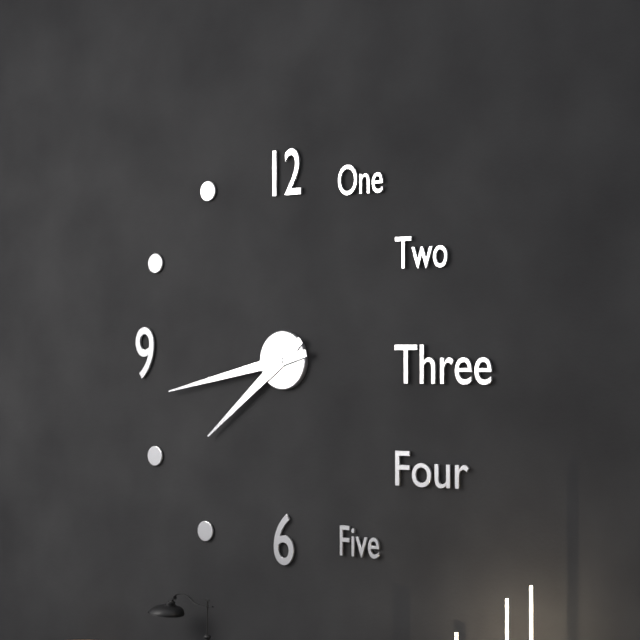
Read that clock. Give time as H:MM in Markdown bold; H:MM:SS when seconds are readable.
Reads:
**7:43**
